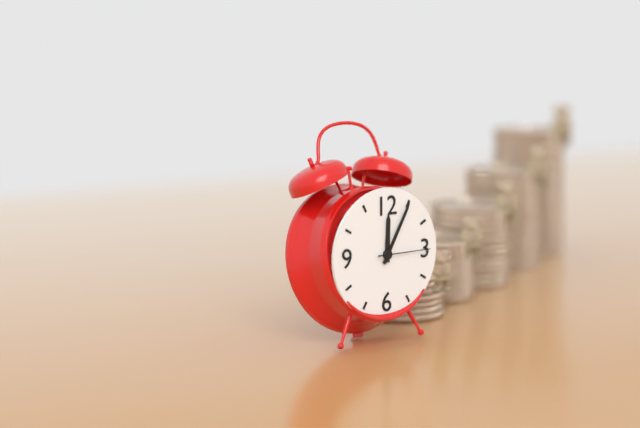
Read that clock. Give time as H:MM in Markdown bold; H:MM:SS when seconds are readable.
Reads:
**12:05:15**
